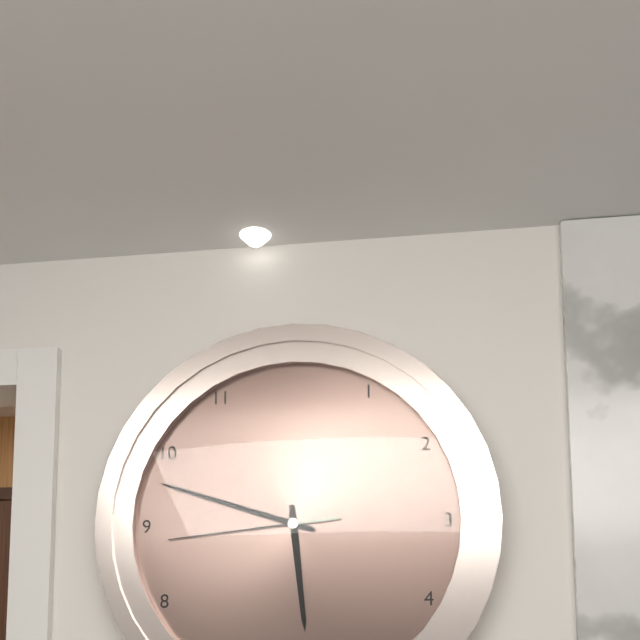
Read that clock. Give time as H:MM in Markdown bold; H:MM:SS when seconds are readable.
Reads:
**5:48:44**
